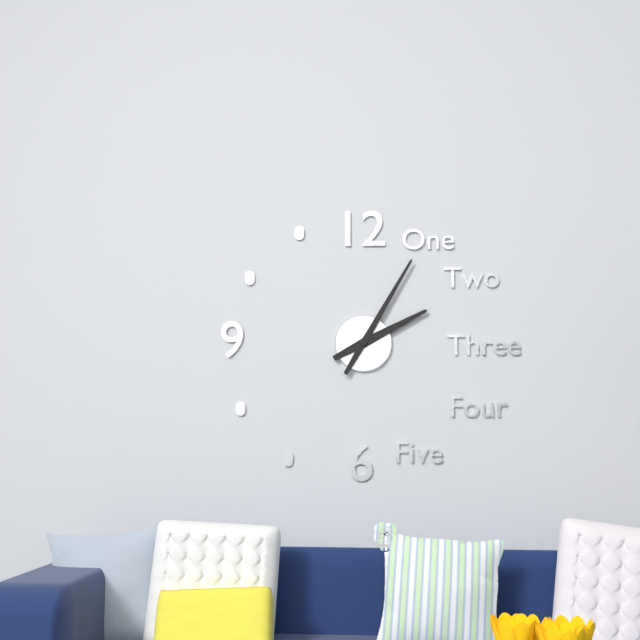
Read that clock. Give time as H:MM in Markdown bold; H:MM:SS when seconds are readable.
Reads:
**2:05**
